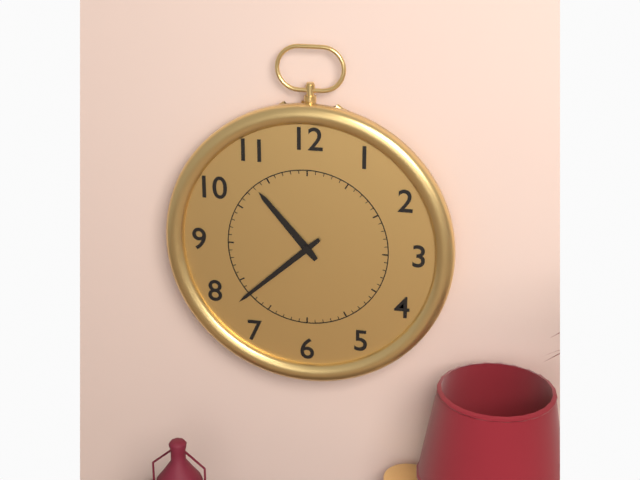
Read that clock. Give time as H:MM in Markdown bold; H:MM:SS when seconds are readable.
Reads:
**10:38**
